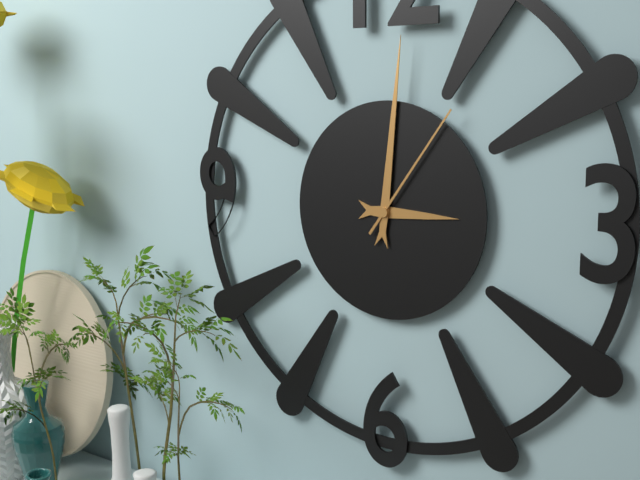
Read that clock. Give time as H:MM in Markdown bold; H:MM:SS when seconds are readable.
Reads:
**3:01:06**
